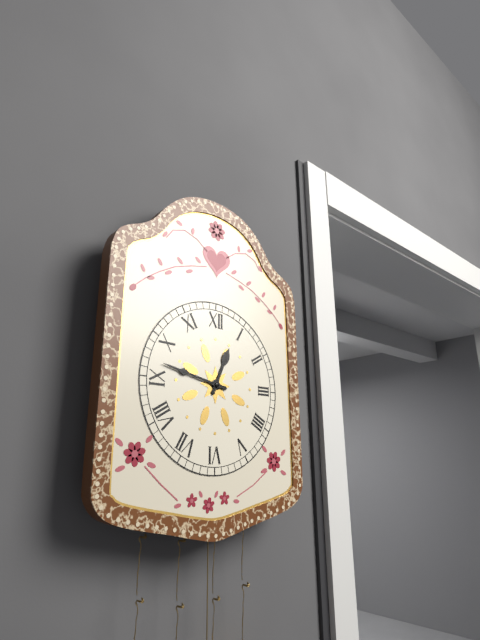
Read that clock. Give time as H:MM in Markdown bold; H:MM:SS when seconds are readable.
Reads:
**12:47**
